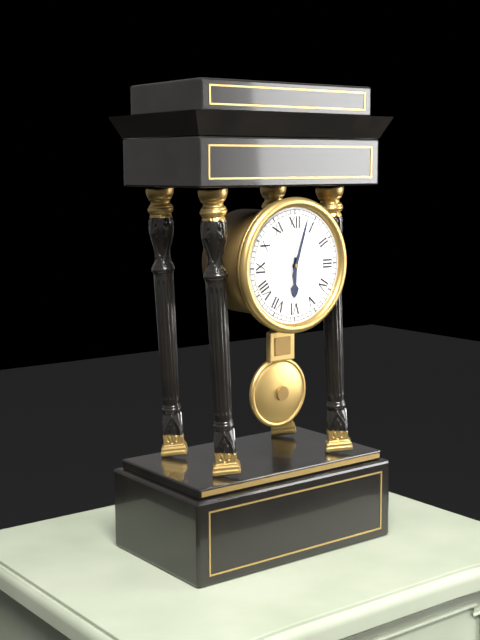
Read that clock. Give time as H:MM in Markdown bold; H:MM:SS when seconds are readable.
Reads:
**6:03**
